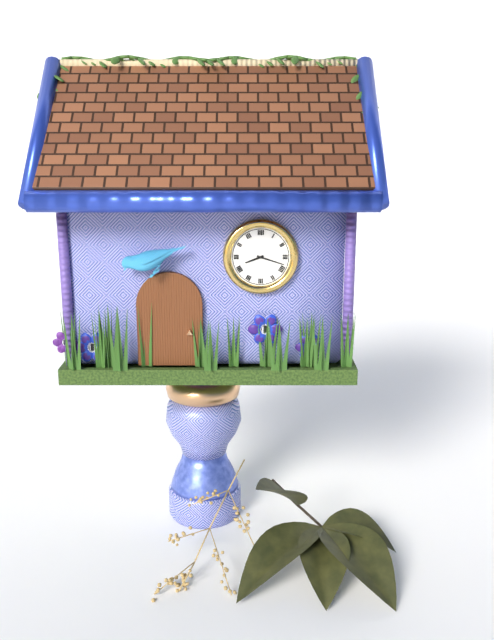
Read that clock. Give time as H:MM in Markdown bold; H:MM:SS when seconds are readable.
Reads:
**8:18**
